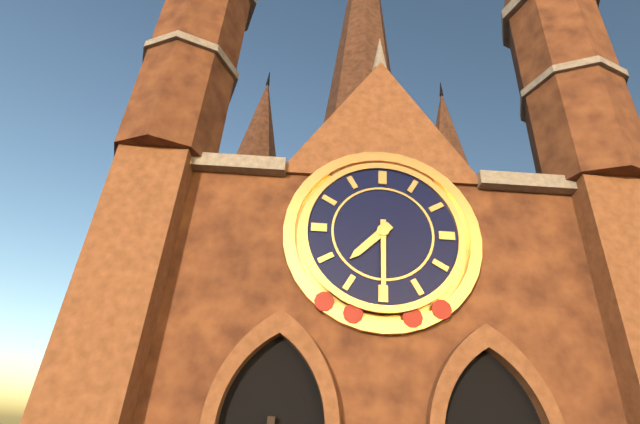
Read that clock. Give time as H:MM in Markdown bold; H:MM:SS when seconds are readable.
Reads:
**7:30**
